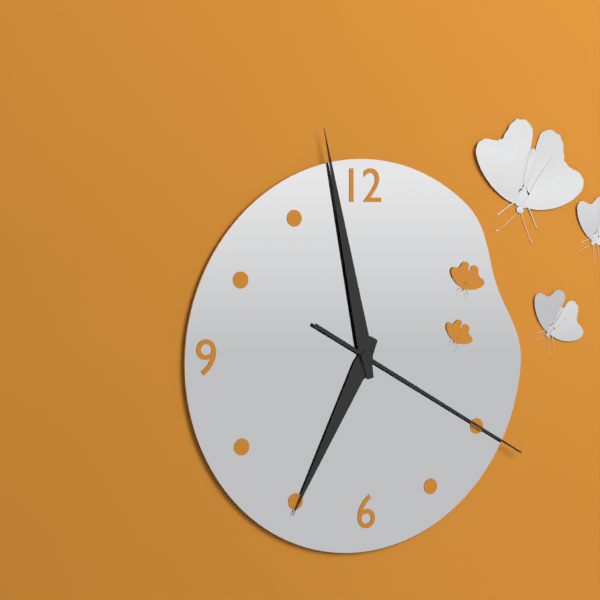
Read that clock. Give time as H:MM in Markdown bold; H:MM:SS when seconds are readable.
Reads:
**6:58:20**
